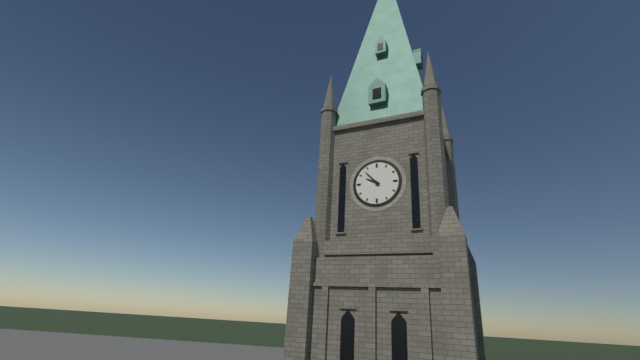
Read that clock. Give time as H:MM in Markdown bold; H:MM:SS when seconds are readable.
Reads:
**9:53**
